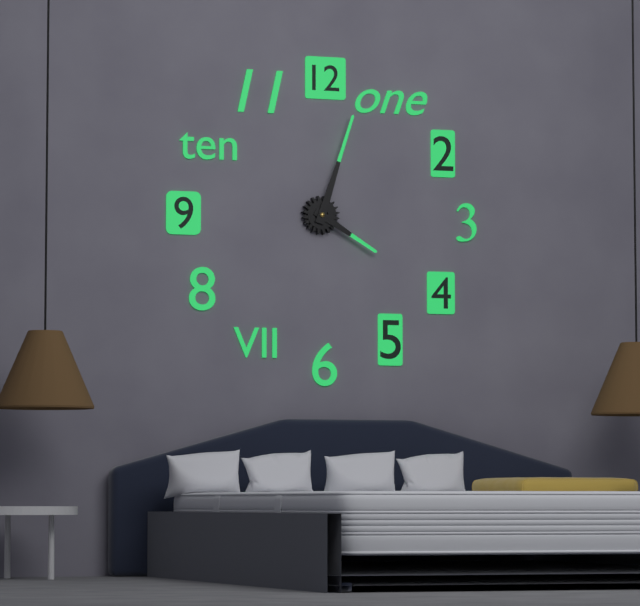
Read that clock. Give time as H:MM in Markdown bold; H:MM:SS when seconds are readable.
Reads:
**4:03**
